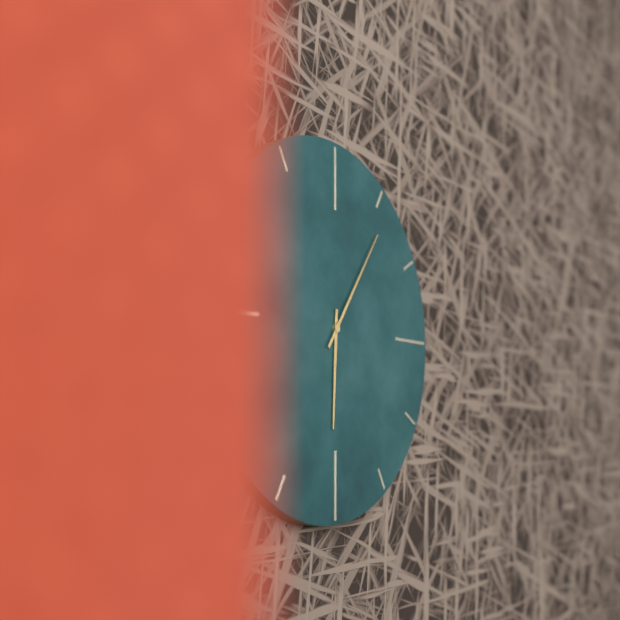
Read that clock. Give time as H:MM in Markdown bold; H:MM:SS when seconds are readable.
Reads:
**6:06**
